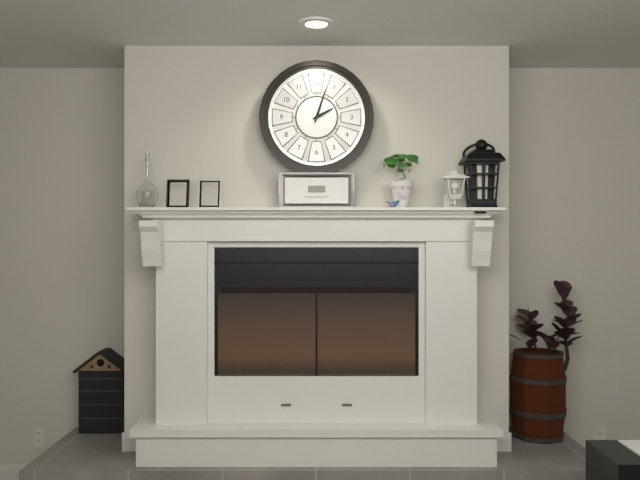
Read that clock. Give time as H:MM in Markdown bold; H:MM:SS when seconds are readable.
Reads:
**2:03**
